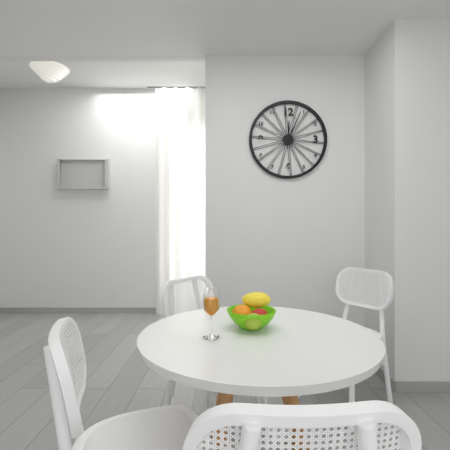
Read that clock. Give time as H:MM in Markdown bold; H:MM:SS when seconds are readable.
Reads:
**12:04**
